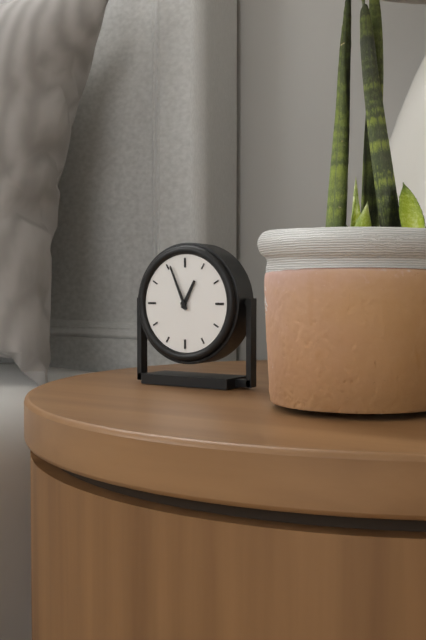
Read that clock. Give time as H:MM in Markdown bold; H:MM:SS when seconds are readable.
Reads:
**12:56**
